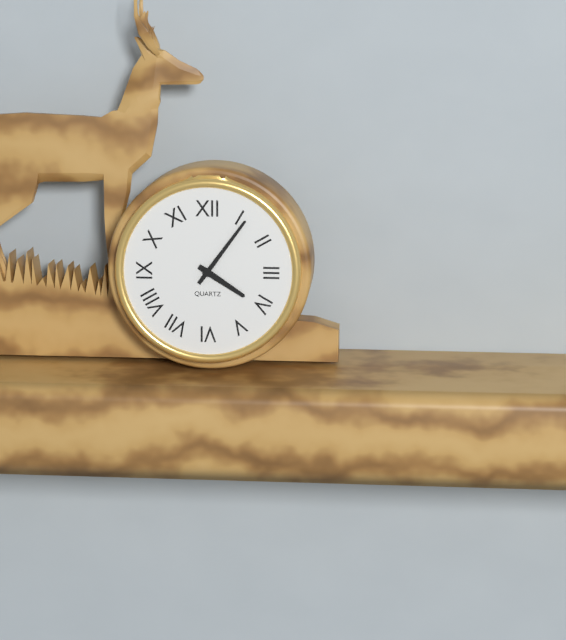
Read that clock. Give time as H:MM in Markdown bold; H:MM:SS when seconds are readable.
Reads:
**4:06**
